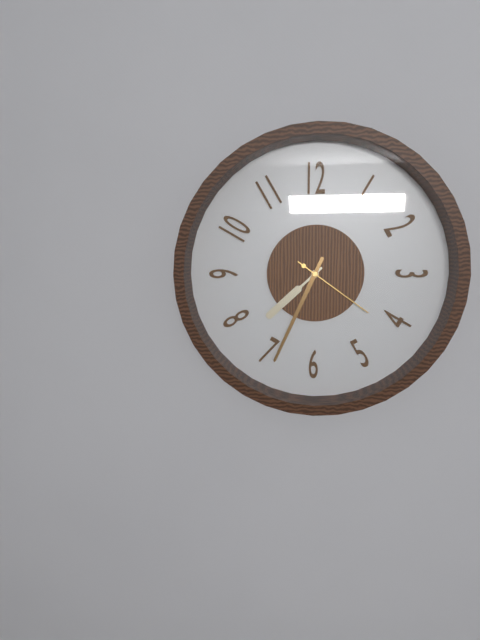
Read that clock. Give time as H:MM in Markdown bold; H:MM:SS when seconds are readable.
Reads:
**7:34:21**
